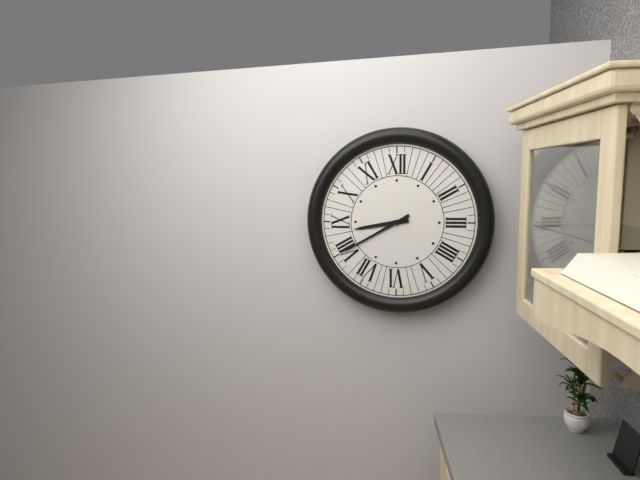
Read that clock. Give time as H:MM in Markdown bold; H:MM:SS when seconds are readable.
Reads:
**8:40**
